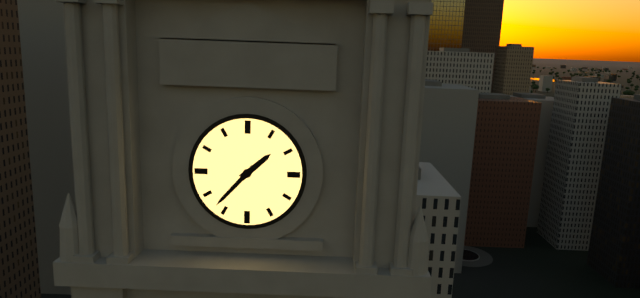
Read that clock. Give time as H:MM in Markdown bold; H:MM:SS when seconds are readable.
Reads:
**1:37**
